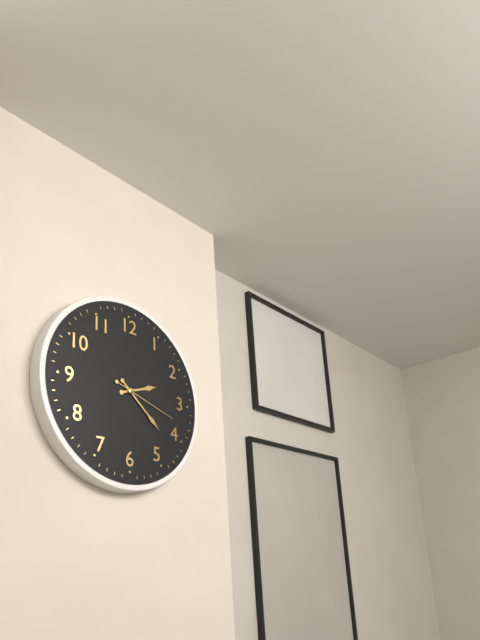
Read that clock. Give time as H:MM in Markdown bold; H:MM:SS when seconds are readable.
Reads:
**2:22:18**
